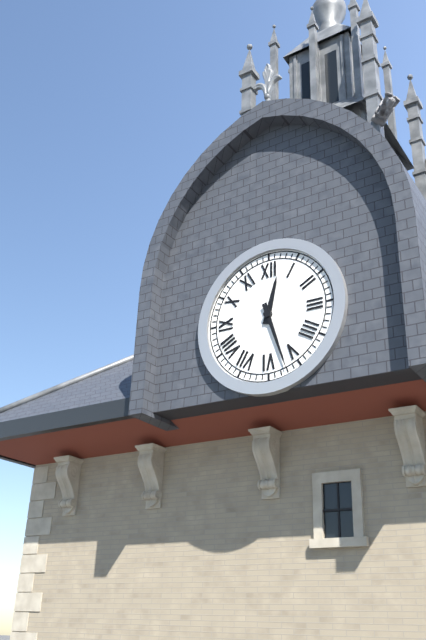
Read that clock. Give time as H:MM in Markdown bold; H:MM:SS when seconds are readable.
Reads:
**12:27**
